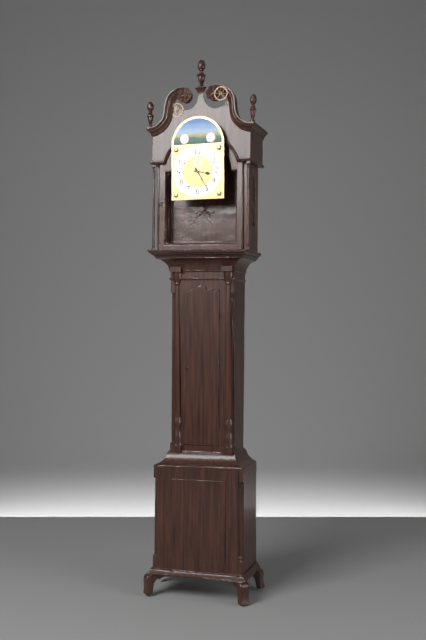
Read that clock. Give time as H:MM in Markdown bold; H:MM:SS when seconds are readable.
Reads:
**3:25**
